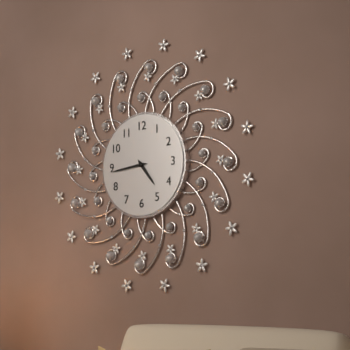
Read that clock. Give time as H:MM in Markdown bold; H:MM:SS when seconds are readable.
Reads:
**4:44**
